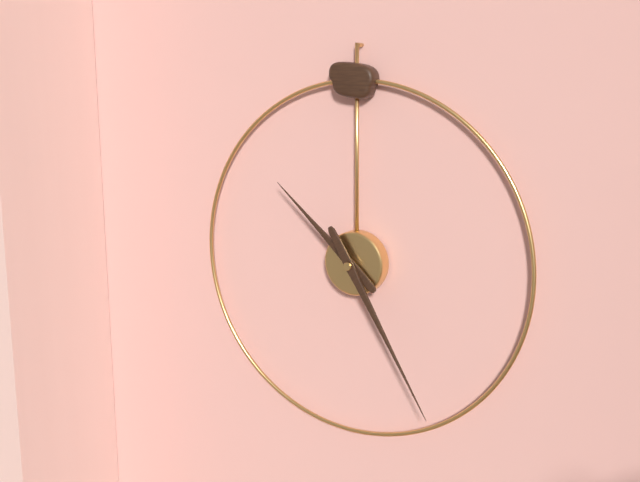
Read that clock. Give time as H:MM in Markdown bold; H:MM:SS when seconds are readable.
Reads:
**10:25**
